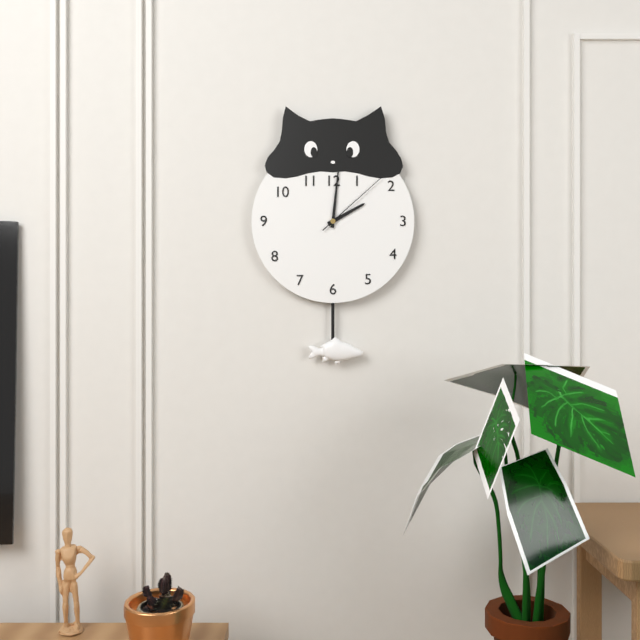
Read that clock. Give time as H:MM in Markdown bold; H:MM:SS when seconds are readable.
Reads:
**2:01:08**
